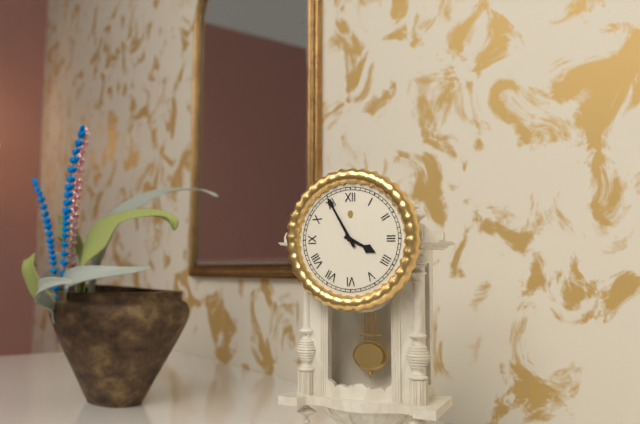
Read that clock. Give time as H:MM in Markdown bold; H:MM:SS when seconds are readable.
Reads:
**3:55**
